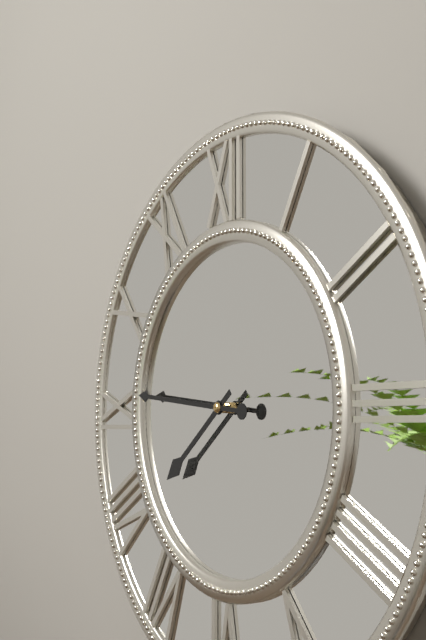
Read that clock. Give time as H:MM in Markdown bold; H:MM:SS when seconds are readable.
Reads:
**7:46**
